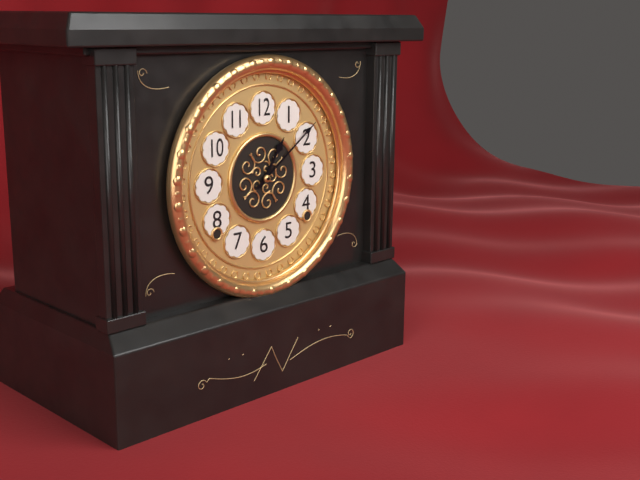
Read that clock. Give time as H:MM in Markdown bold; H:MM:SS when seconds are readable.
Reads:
**1:09**
